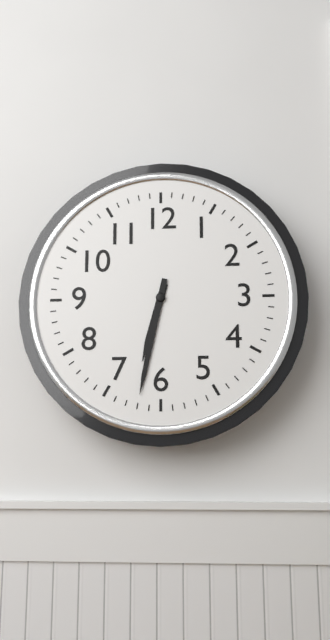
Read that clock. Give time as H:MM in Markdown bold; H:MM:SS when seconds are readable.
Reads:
**6:32**
